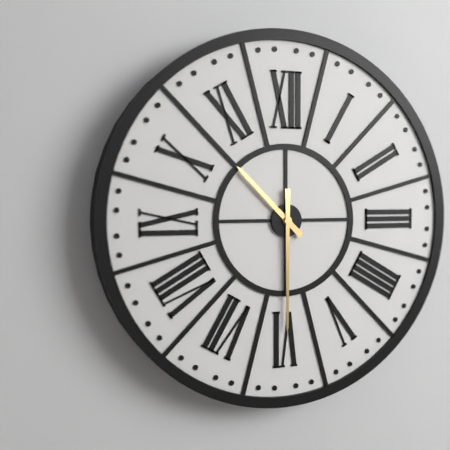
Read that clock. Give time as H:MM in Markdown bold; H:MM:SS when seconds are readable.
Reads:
**10:30**
